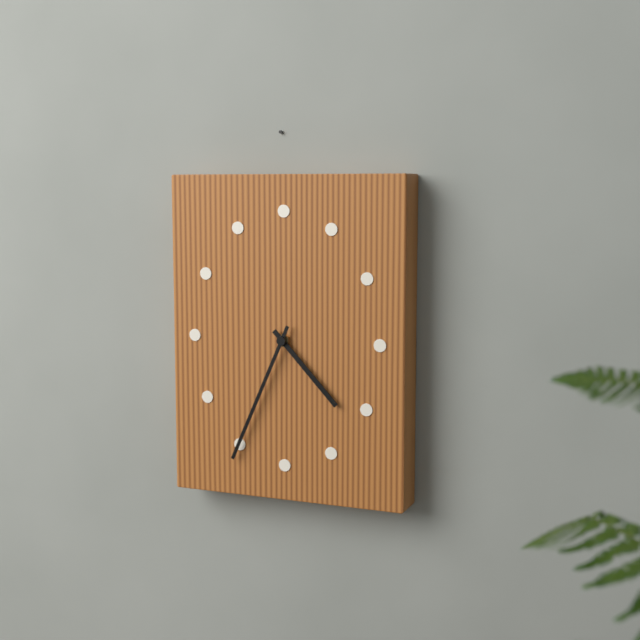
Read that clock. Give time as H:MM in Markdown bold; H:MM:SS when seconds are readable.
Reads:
**4:34**
